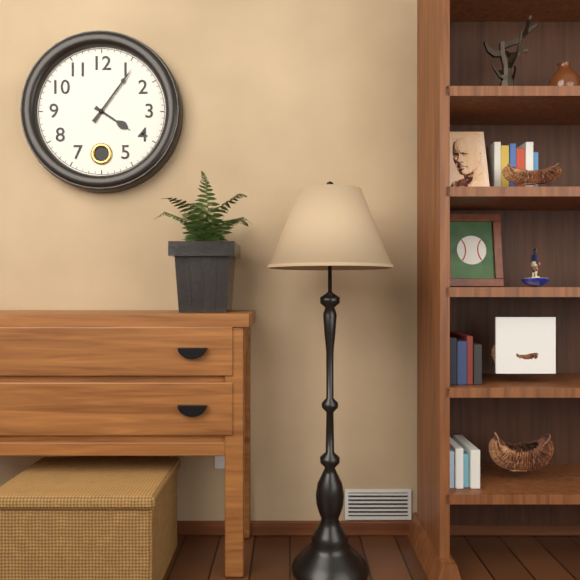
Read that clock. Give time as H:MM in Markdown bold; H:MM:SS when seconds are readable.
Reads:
**4:06**
